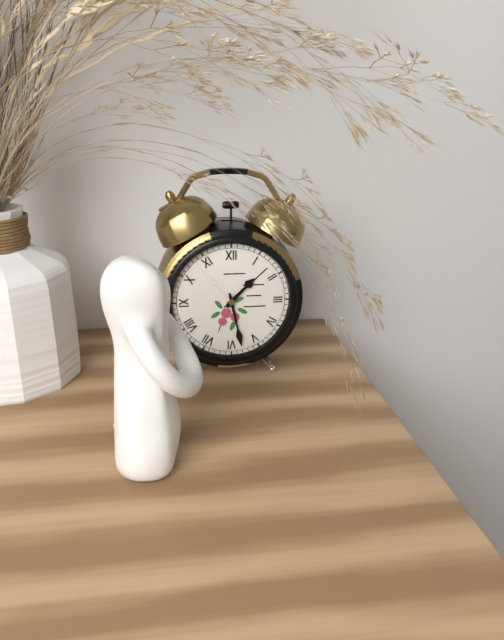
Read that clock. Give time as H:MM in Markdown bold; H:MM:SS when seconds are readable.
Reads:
**1:28**
